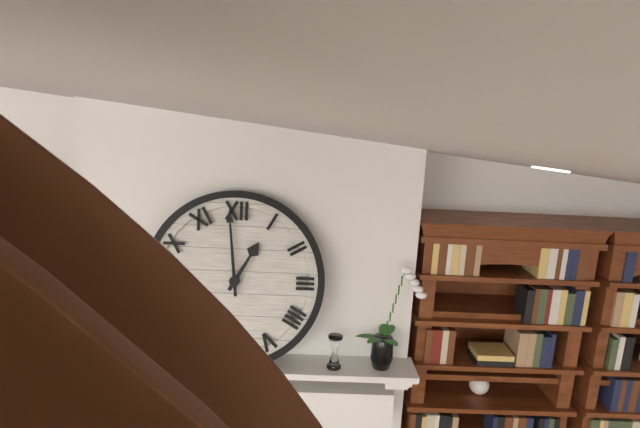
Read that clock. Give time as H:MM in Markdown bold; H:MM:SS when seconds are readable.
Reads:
**12:59**
